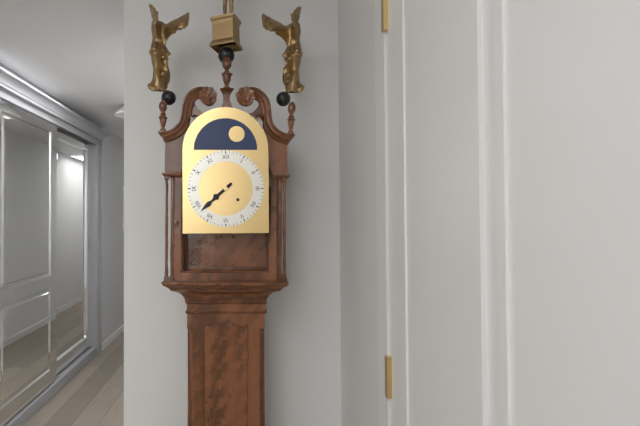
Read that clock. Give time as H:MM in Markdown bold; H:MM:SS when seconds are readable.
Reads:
**7:38**
